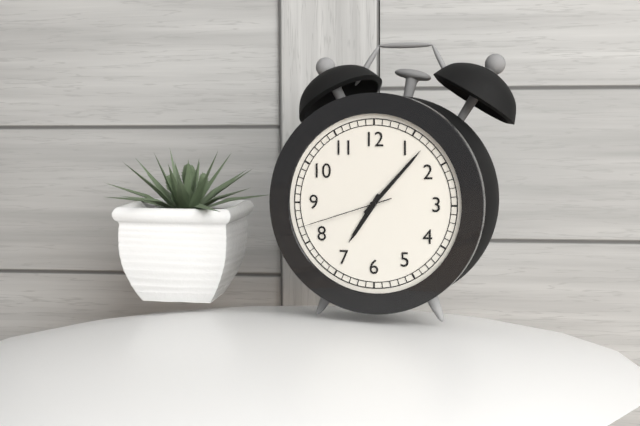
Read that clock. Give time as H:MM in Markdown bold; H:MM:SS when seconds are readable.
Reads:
**7:07:42**
